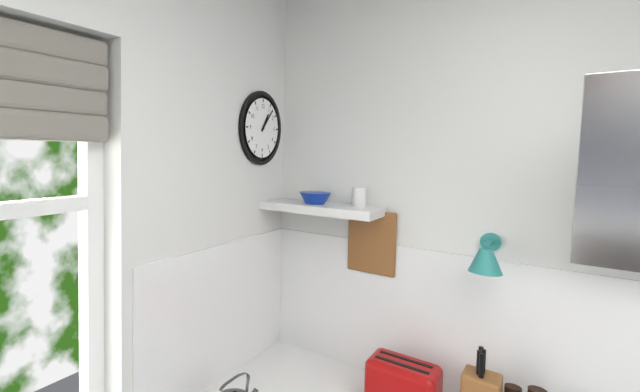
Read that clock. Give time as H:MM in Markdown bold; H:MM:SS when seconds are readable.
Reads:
**1:07**
